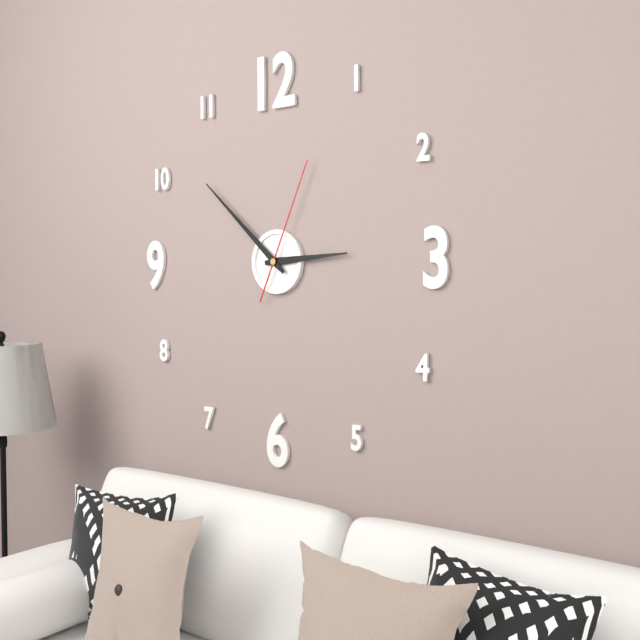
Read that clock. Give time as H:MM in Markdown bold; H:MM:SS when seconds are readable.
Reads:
**2:52:04**
